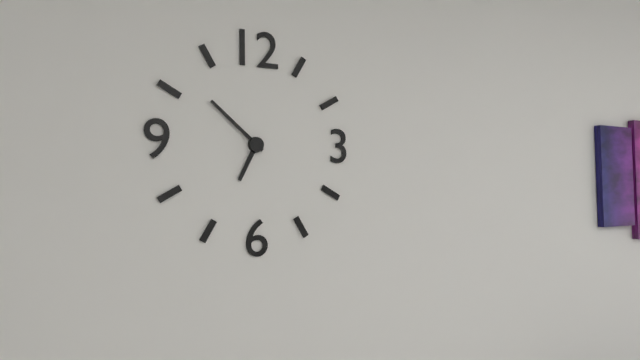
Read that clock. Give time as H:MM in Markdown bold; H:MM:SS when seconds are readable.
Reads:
**6:52**
